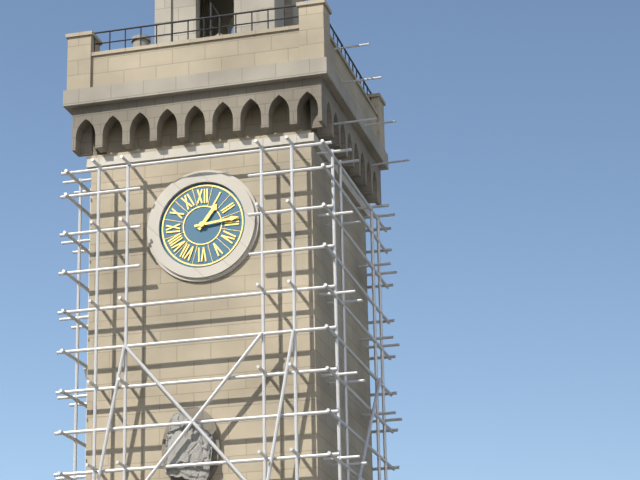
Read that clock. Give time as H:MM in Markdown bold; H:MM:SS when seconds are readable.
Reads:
**1:14**
